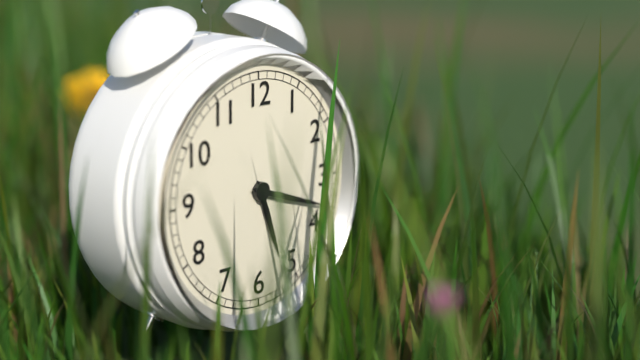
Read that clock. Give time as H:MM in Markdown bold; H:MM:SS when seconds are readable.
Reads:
**5:18**
